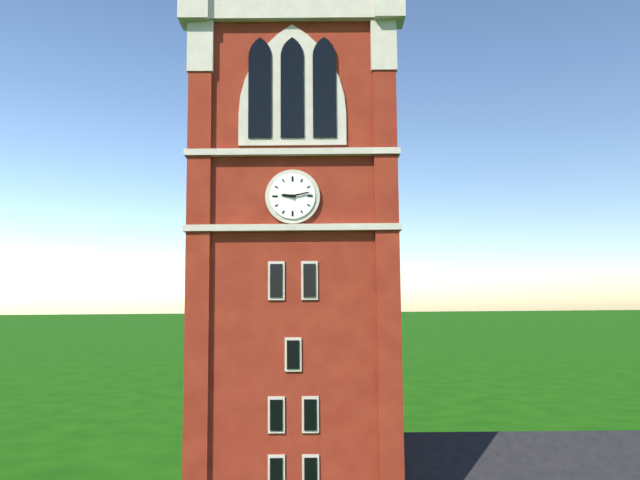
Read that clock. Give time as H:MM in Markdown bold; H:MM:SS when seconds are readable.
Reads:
**9:13**
